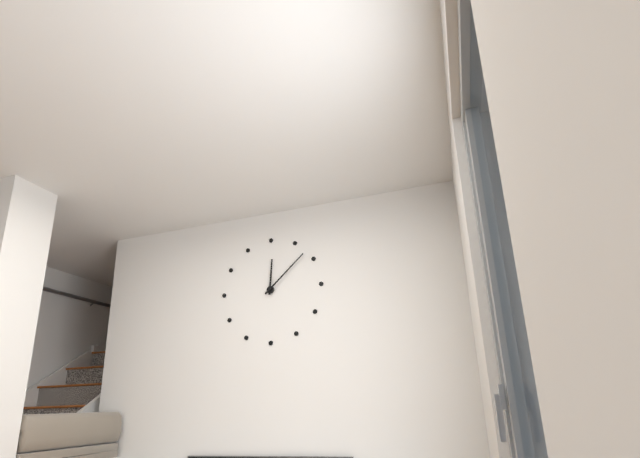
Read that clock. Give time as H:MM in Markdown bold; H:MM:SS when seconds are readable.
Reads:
**12:08**
